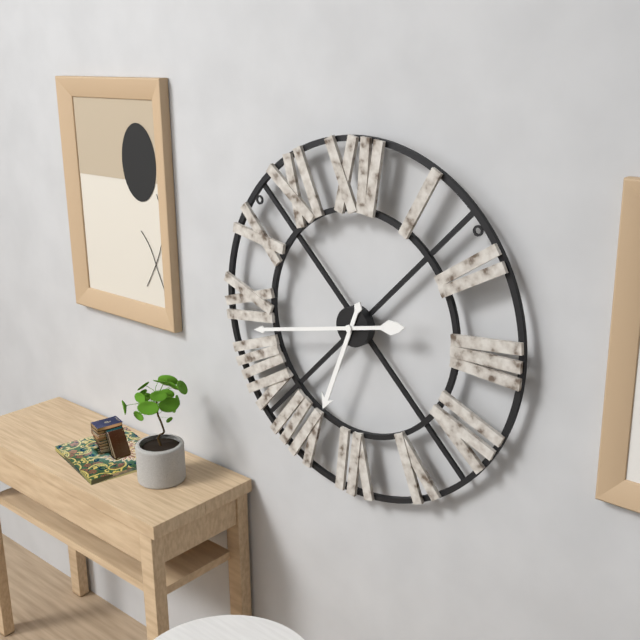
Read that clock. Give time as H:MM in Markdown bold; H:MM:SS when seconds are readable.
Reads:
**6:43**
